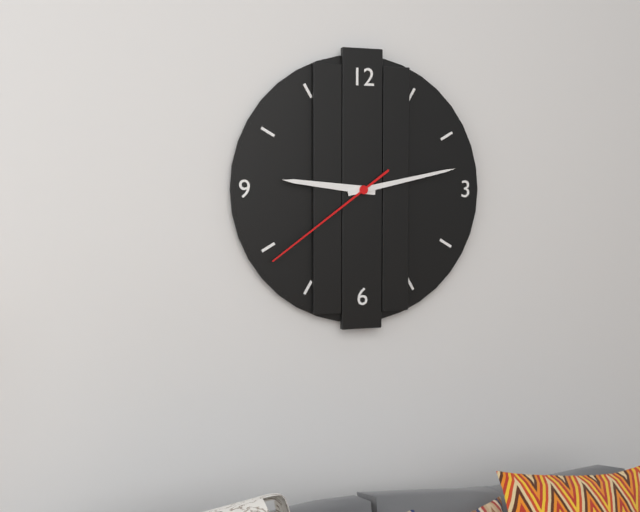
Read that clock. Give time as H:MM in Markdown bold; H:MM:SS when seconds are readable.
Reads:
**9:13:39**
